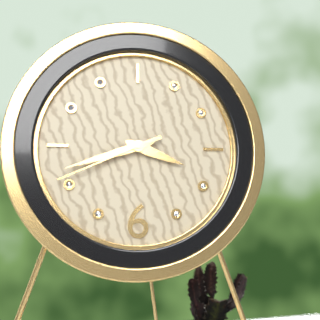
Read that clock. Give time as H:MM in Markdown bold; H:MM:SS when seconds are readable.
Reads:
**3:42:41**
